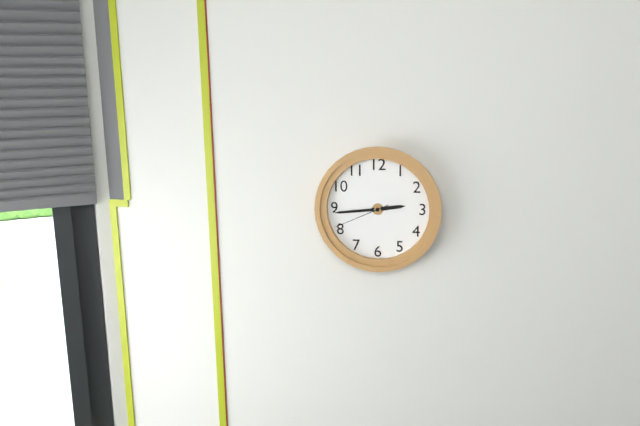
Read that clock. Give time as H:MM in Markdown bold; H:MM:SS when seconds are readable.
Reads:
**2:44:41**
